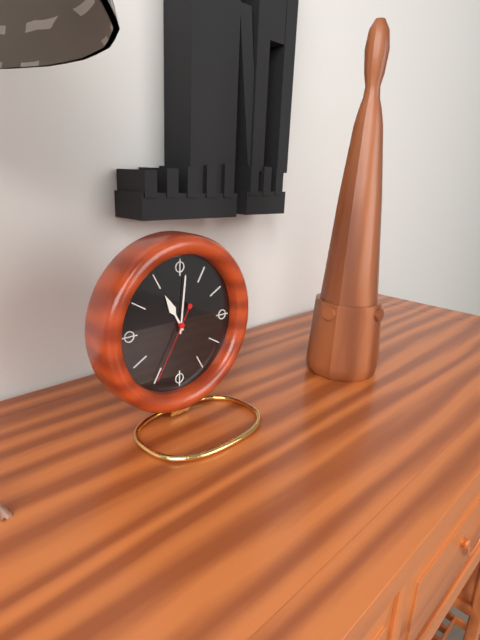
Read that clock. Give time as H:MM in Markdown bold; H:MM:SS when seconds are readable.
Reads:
**11:01:35**
